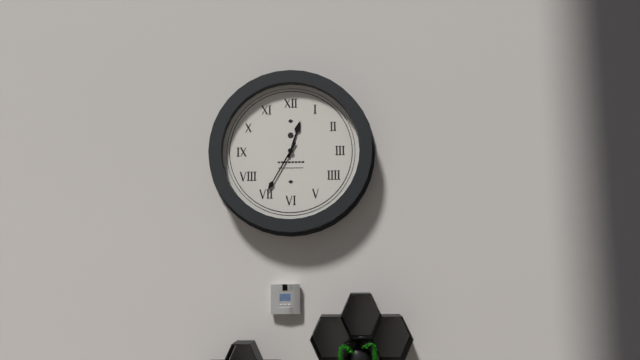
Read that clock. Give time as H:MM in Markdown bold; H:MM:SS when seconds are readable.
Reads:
**12:35**
